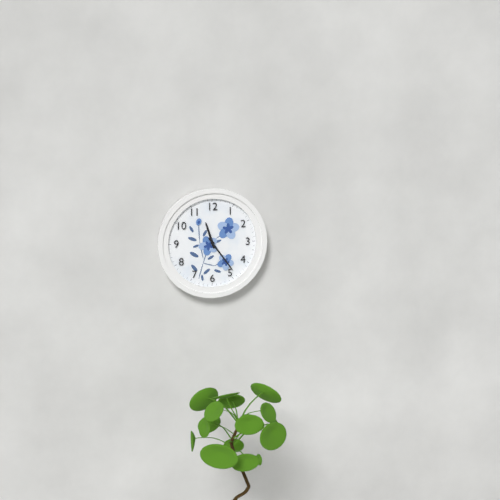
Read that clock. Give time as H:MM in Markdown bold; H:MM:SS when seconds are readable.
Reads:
**11:24**
